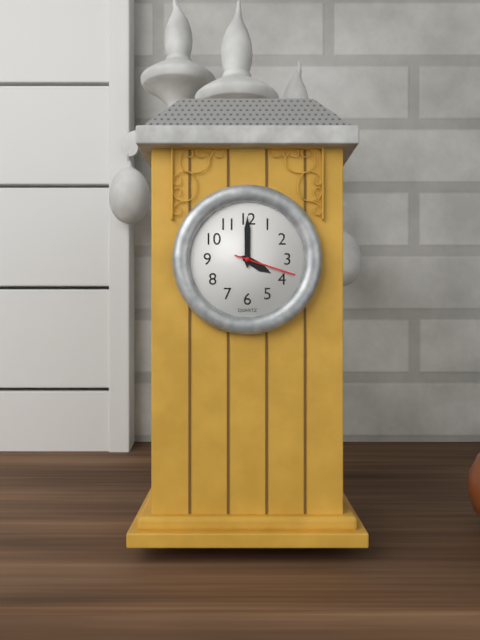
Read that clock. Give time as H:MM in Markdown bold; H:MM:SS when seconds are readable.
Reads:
**4:00:18**
